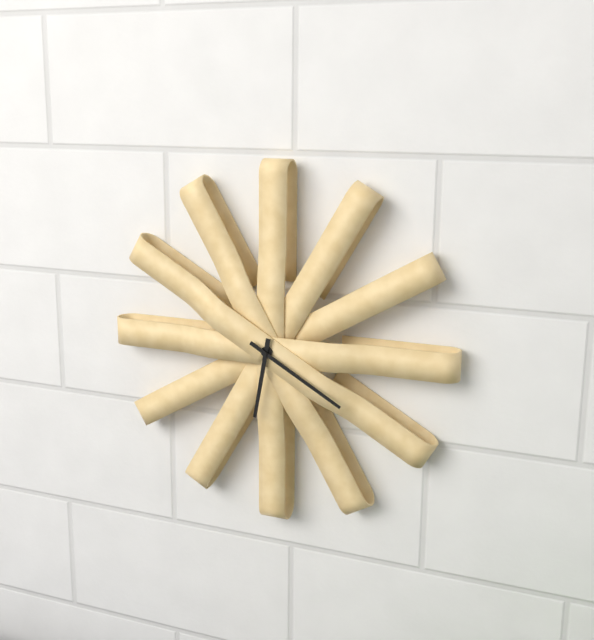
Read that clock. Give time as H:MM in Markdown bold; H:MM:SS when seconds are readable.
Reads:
**6:20**
